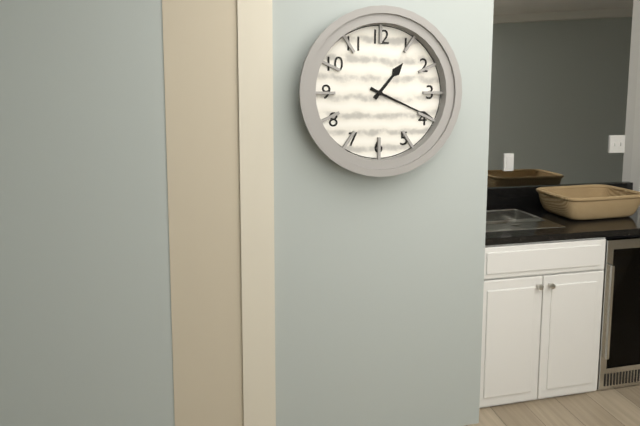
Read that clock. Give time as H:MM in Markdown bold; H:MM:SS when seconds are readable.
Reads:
**1:19**
